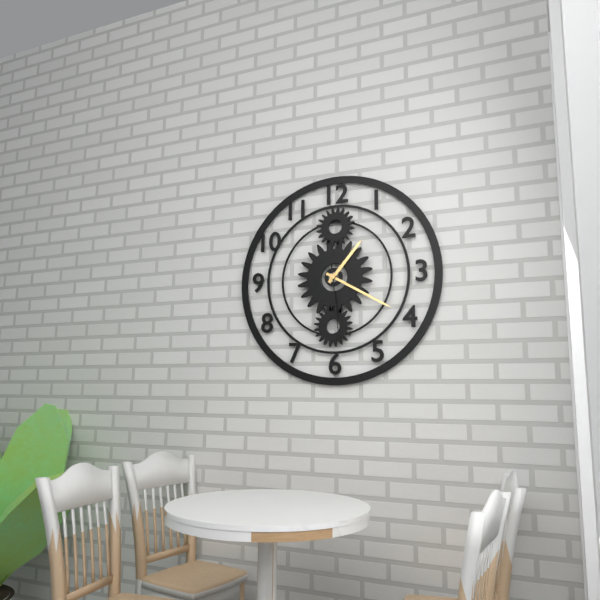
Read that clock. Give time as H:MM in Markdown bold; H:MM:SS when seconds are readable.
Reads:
**1:20:29**
